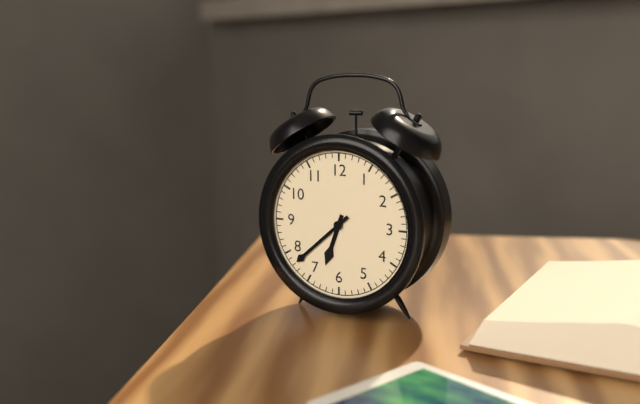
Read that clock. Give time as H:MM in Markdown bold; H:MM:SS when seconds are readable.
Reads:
**6:38**
